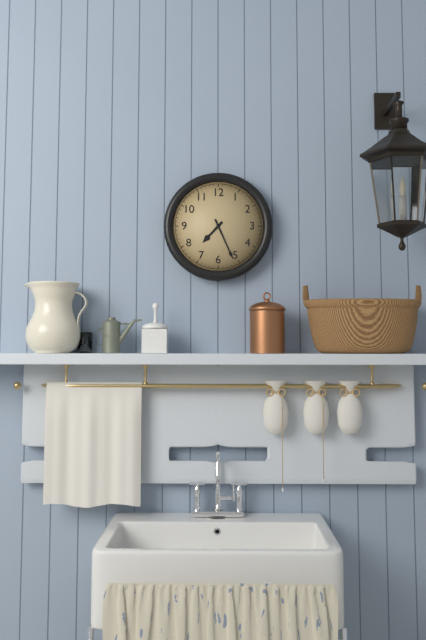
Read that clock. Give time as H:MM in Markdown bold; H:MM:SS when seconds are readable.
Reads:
**7:26**
